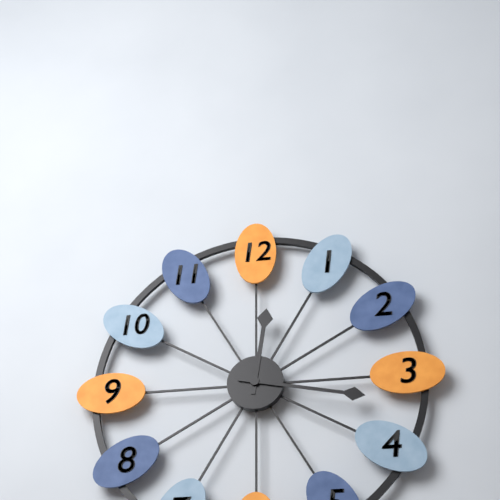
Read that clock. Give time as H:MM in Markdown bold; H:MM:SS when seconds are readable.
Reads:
**12:17**
